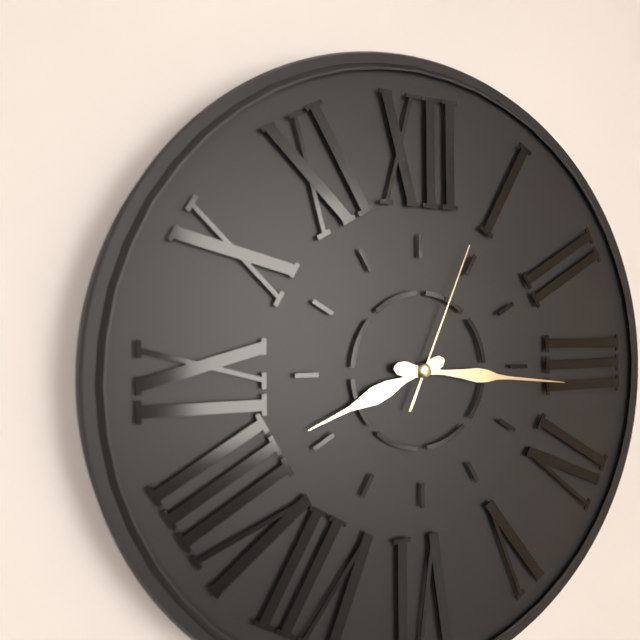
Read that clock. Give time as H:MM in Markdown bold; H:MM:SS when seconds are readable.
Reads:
**8:16:04**
